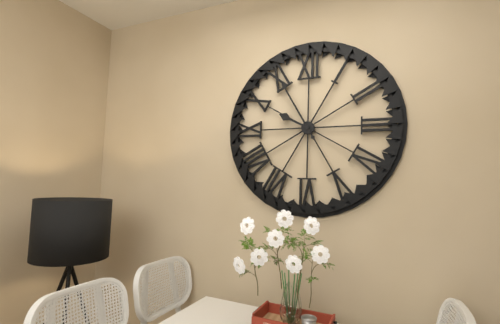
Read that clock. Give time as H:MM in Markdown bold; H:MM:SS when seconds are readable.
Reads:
**9:55**
